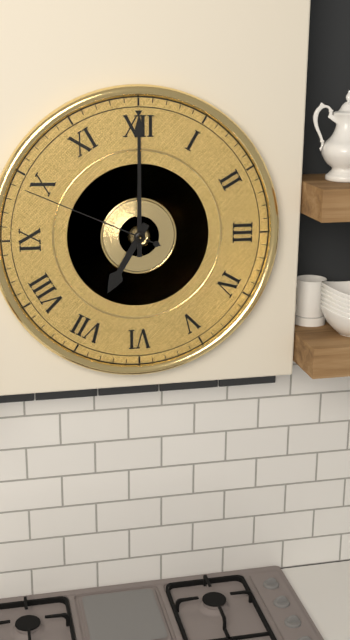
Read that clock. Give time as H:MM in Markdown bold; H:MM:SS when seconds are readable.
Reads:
**7:00:49**
